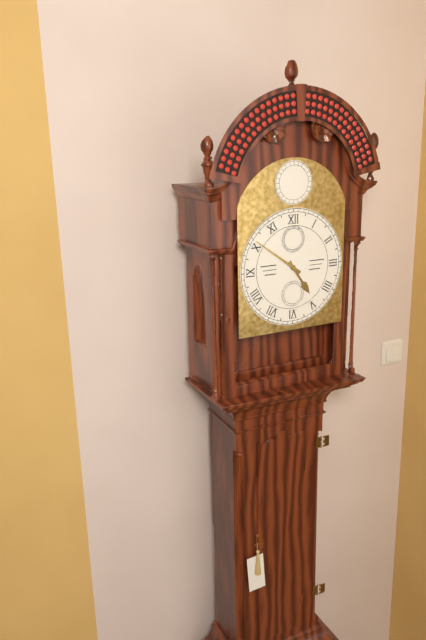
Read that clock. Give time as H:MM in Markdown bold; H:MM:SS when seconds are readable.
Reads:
**4:51**
